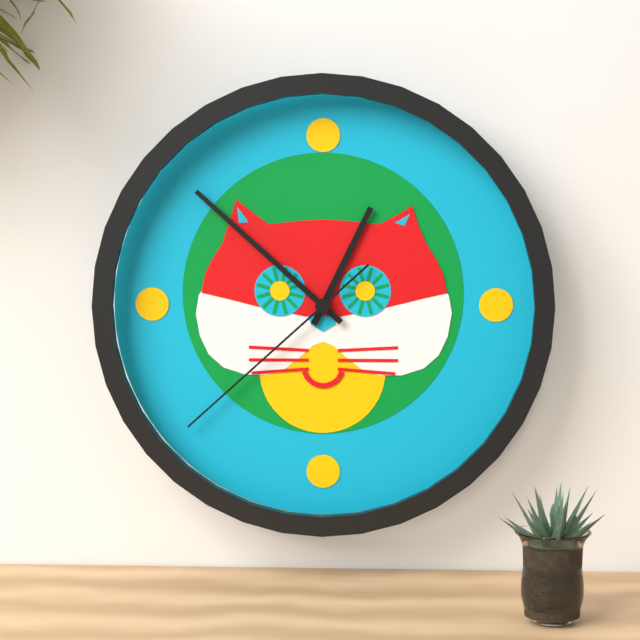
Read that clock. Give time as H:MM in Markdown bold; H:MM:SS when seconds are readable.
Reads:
**12:52:38**
